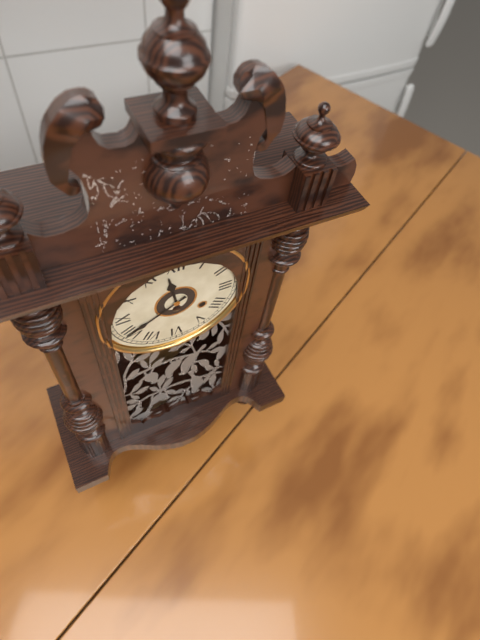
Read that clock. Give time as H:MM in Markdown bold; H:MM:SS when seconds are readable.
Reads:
**11:40**
